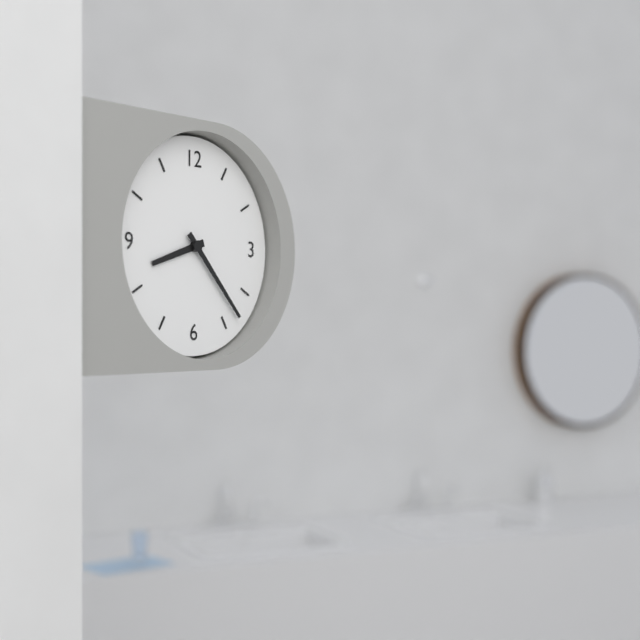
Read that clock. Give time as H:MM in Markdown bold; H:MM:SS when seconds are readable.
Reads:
**8:23**
